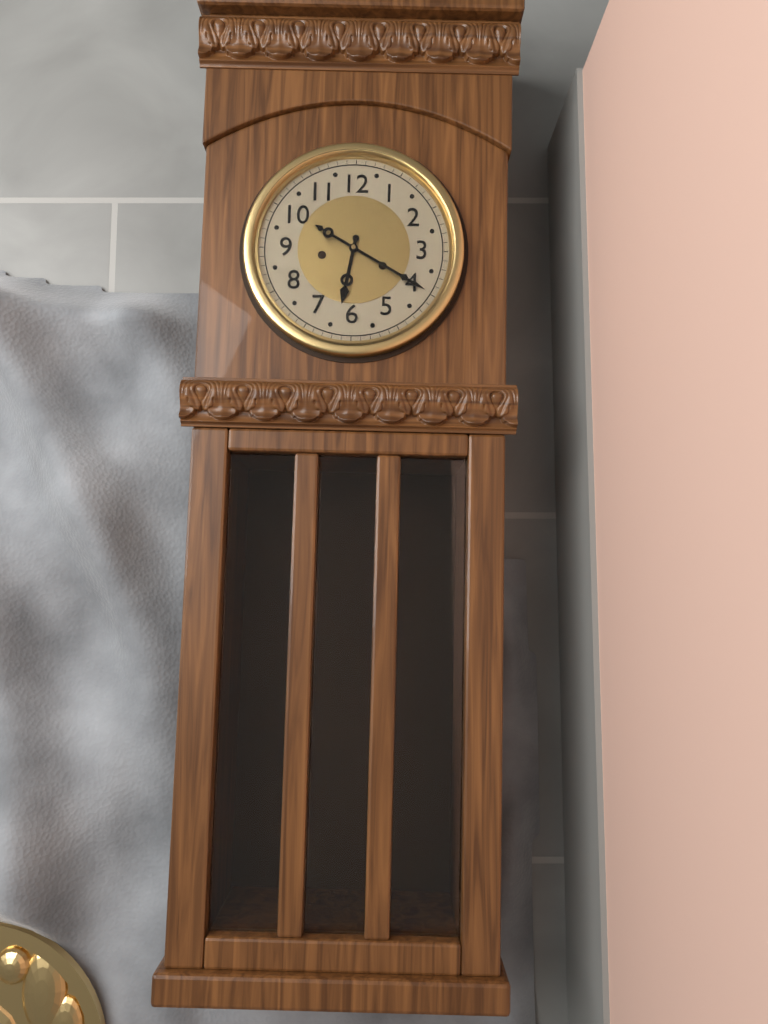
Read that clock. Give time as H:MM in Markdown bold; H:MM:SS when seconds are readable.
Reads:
**6:20**
